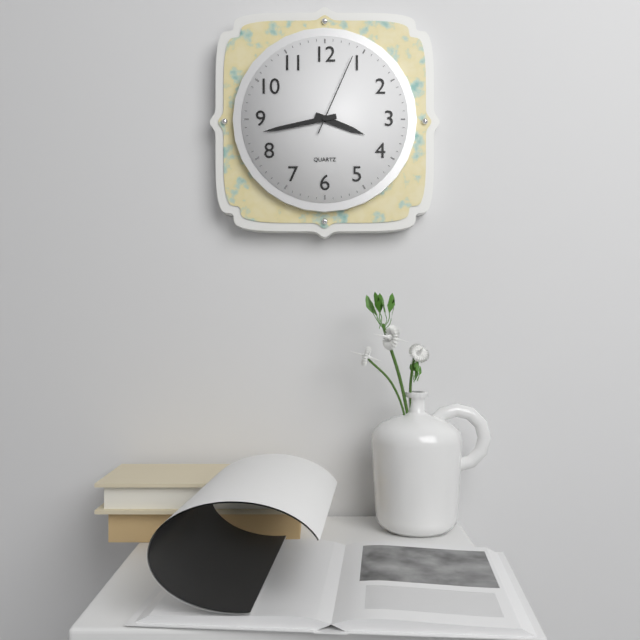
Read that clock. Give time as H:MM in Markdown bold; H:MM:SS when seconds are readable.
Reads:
**3:43:04**
